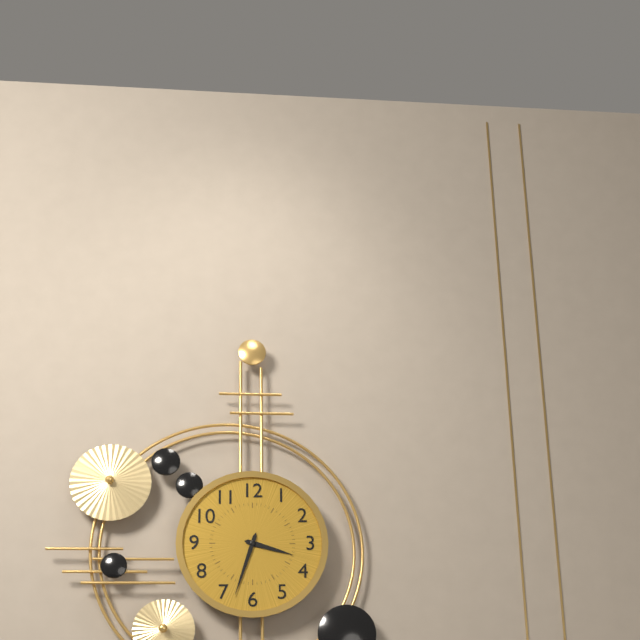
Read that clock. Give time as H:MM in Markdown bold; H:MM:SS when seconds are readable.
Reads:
**3:33**
